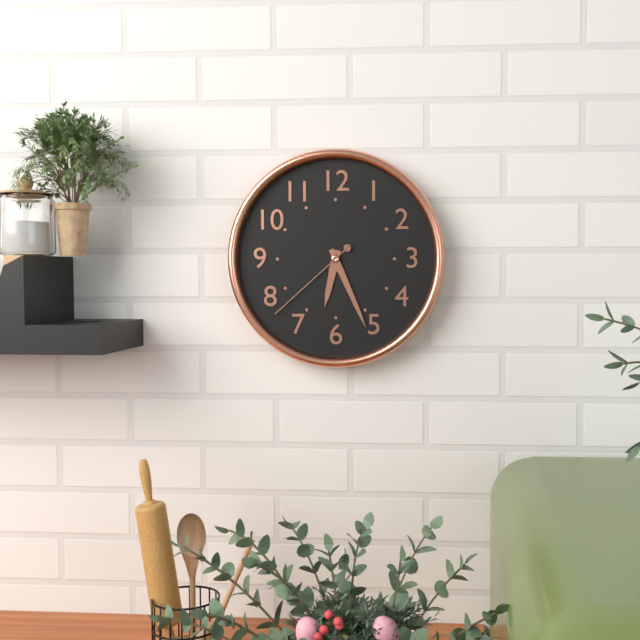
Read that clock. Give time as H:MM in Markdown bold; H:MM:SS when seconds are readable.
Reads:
**6:26:38**
